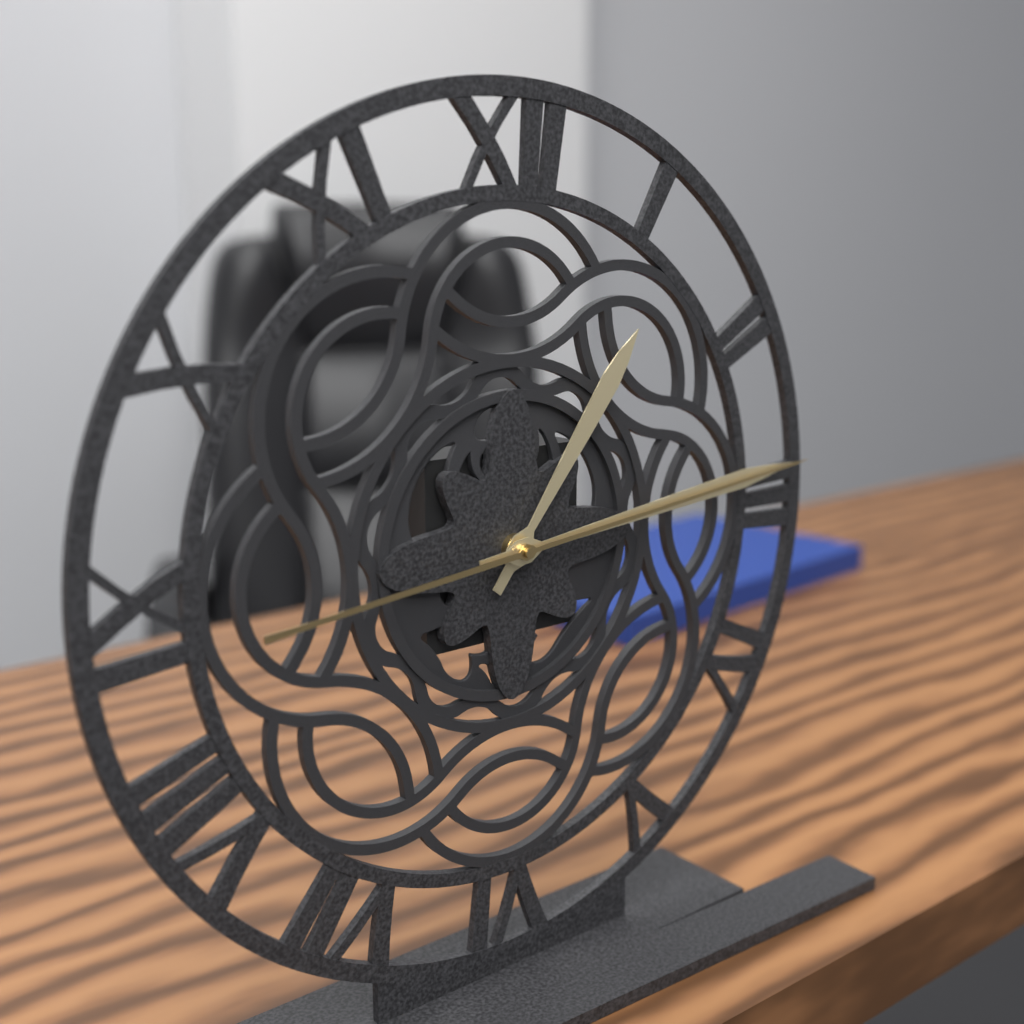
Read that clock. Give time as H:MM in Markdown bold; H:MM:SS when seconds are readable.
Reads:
**1:14:14**
